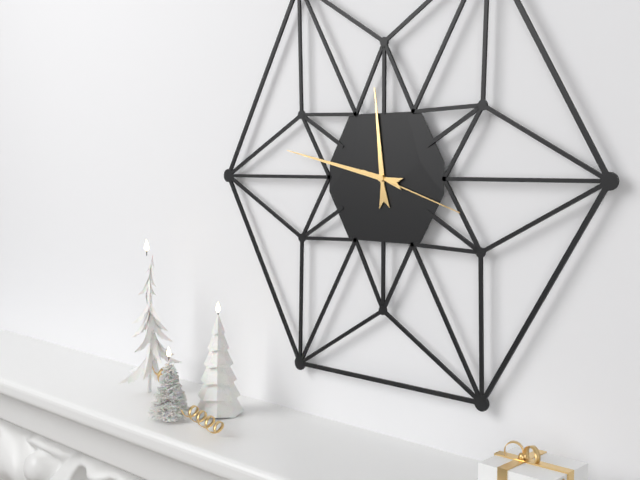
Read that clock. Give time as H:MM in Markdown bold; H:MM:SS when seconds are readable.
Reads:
**11:47:18**
